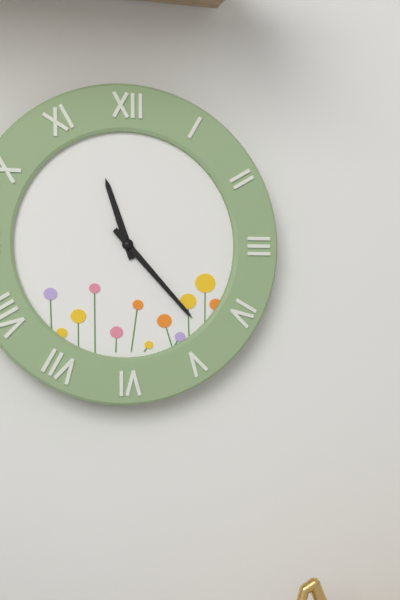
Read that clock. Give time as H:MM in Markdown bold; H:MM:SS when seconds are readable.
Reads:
**11:23**
